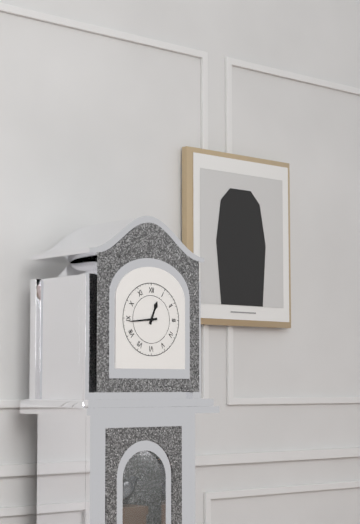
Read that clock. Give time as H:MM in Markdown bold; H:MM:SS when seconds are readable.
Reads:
**12:44**
